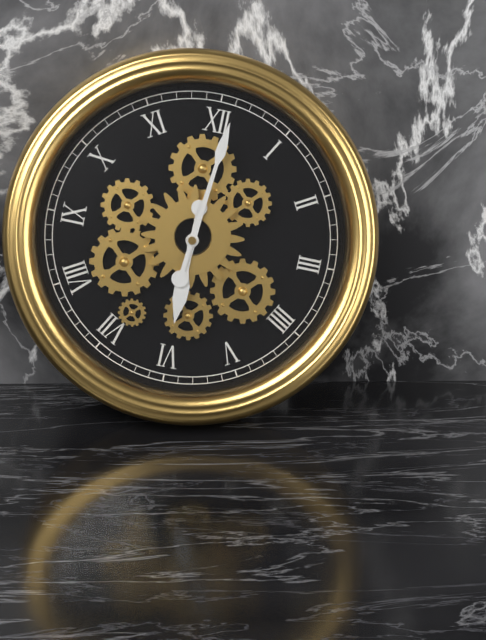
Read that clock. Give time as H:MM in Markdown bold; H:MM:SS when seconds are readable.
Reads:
**6:01**
